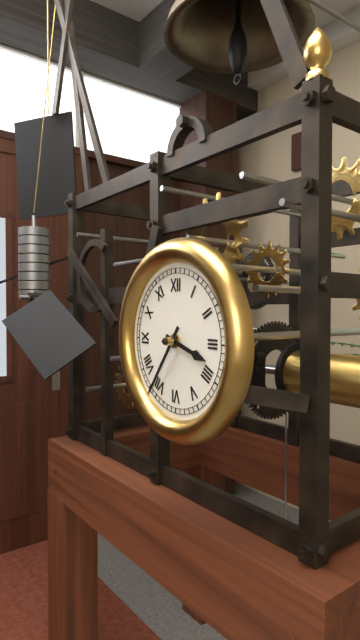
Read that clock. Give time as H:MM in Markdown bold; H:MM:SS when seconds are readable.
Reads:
**3:36**
